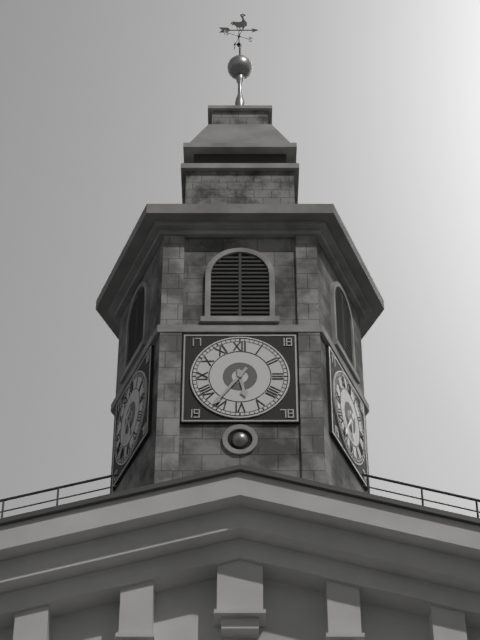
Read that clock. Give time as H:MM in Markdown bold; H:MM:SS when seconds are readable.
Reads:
**5:36**
